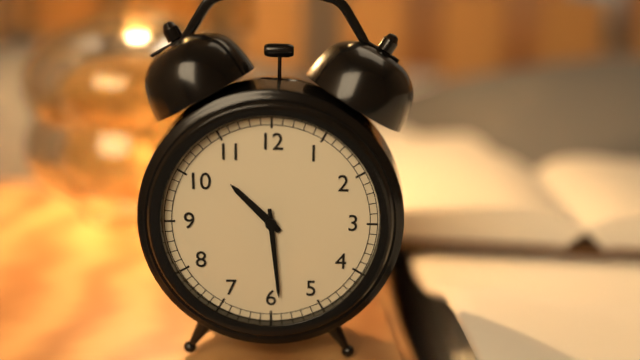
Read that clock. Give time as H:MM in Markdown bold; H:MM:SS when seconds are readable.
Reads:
**10:29**
